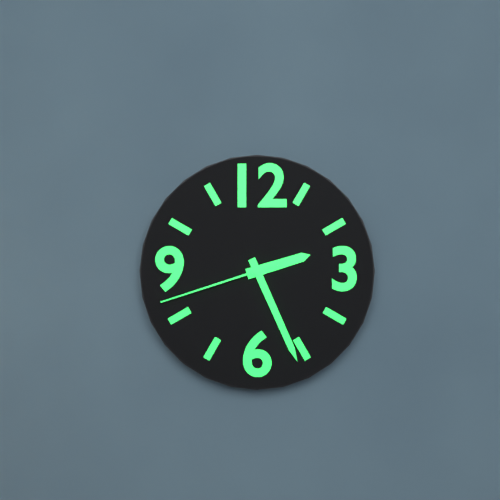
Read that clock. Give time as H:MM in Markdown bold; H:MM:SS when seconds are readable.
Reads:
**2:26:42**
